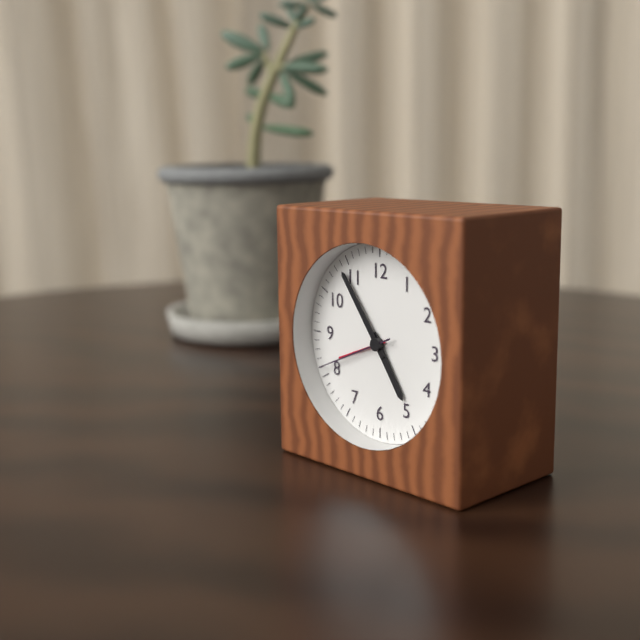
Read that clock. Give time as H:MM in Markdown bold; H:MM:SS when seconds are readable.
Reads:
**4:54:41**
